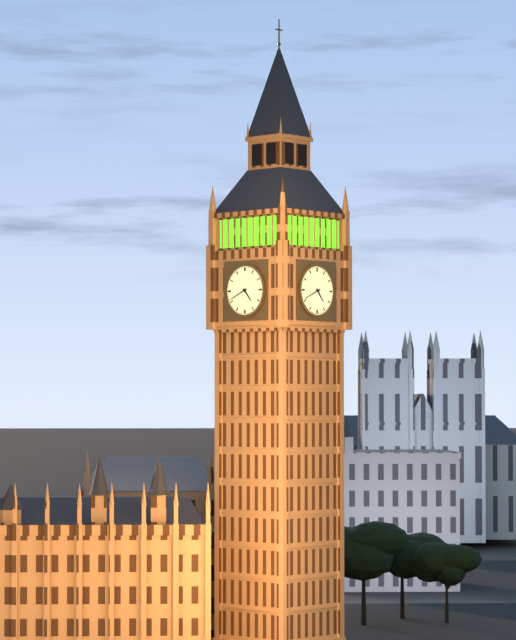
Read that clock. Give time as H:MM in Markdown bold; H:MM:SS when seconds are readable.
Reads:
**4:41**
